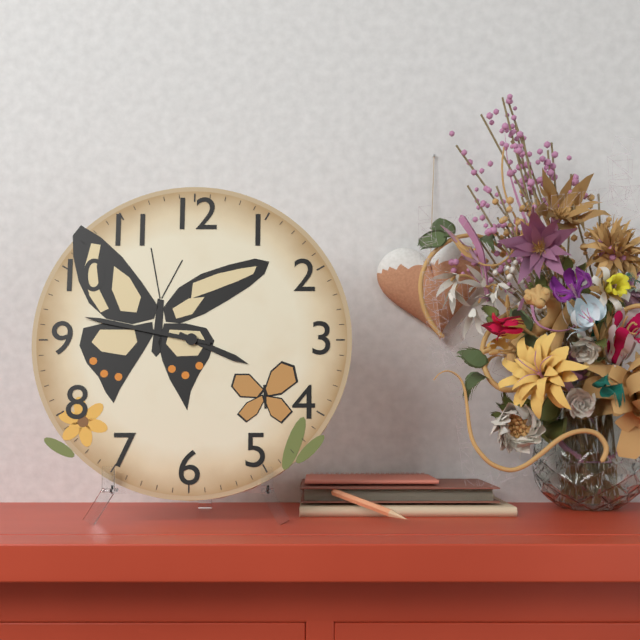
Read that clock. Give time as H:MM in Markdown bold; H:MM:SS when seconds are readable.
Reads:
**3:47**
